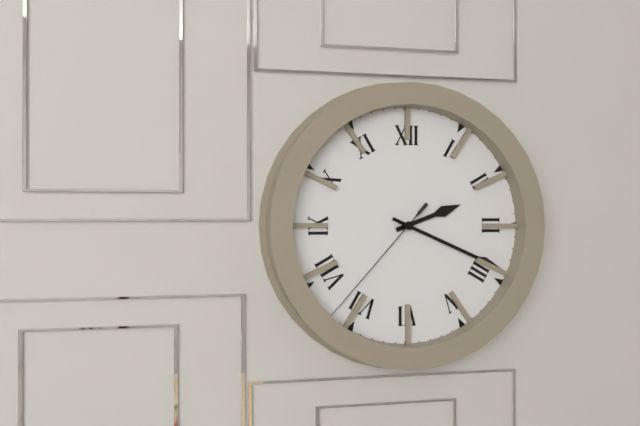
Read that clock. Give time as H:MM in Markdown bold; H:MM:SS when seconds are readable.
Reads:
**2:19:37**
